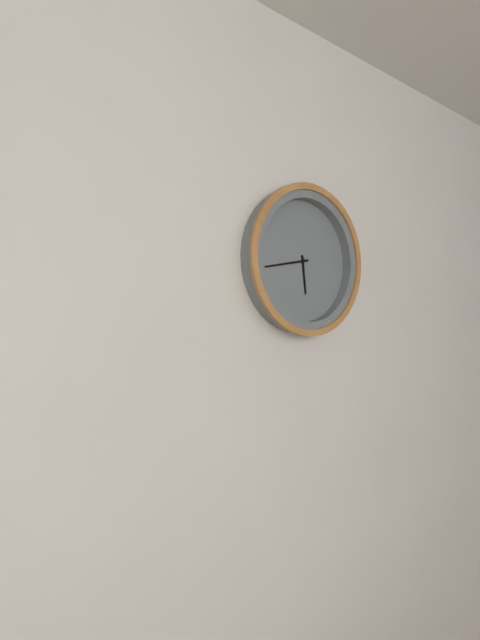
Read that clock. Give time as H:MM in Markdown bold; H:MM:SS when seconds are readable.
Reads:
**5:43**
